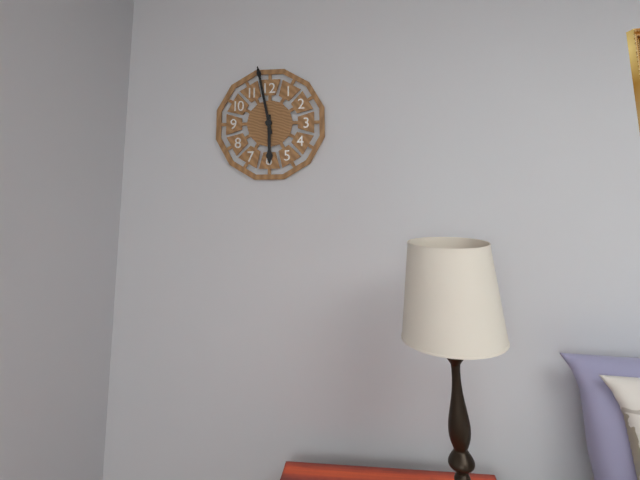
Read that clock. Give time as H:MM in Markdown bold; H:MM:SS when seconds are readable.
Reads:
**5:58**
